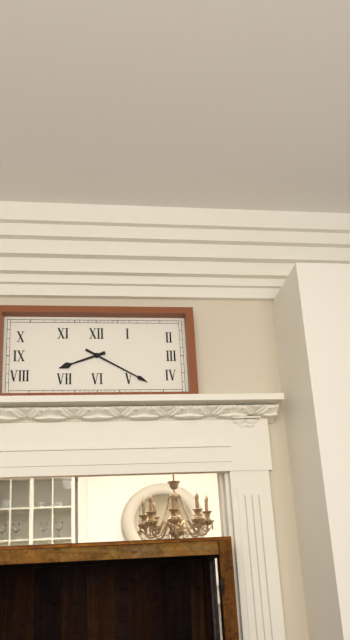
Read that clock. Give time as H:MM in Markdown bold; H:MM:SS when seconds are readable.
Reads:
**8:20**
